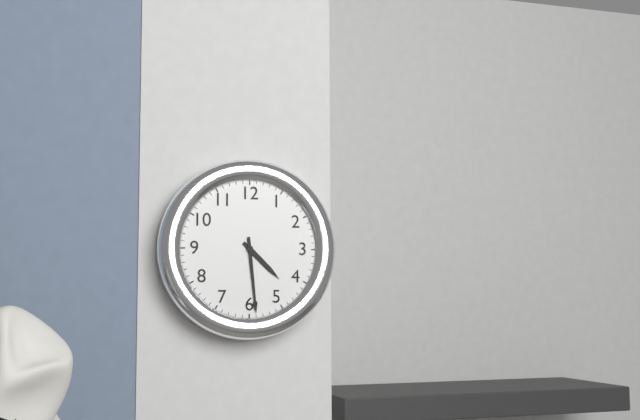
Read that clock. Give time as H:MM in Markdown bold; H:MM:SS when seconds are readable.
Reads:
**4:29**
